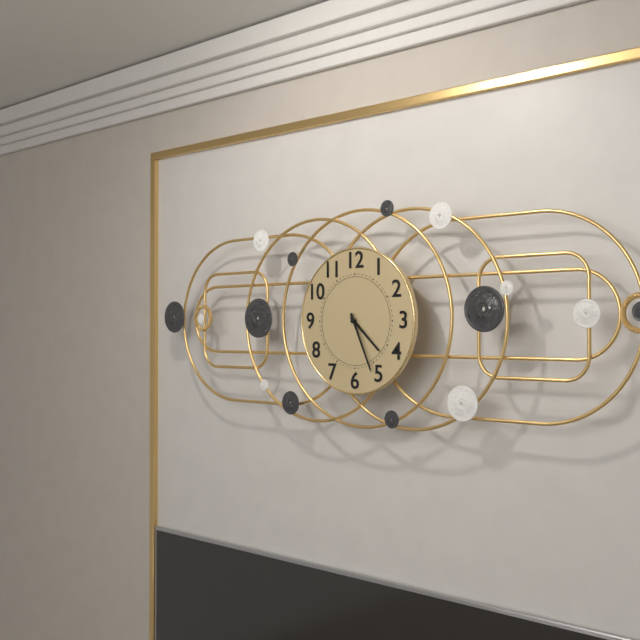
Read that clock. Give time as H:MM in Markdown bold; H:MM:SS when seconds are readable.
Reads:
**4:26**
